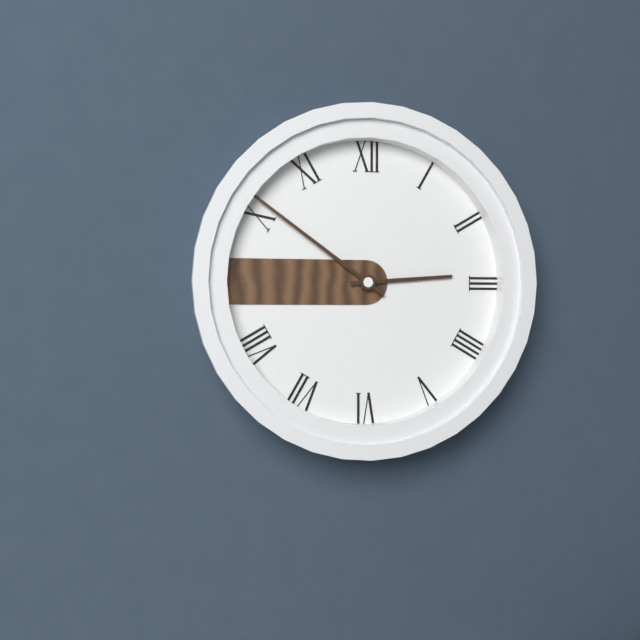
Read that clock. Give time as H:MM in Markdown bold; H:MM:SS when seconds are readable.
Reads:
**2:51**
